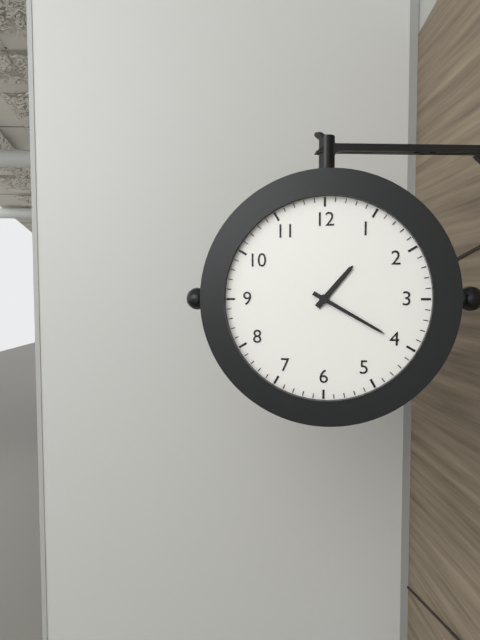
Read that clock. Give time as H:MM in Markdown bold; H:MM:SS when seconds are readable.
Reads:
**1:20**
